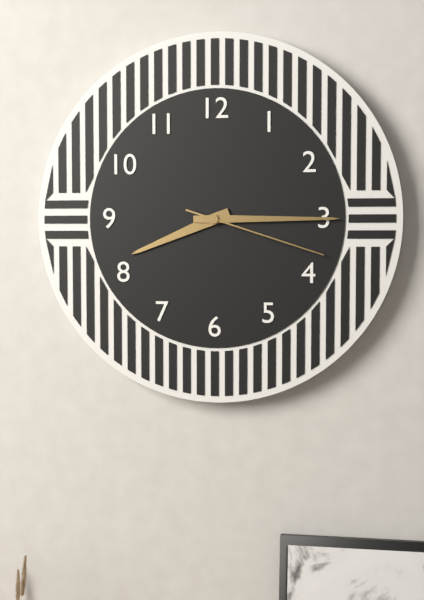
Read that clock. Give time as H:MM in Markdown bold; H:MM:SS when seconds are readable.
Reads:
**8:15:18**
